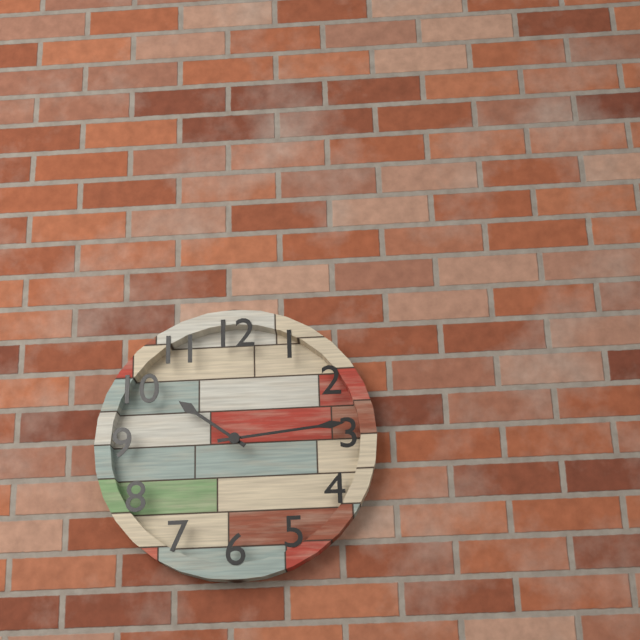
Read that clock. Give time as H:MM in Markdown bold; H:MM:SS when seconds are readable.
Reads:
**10:14**
